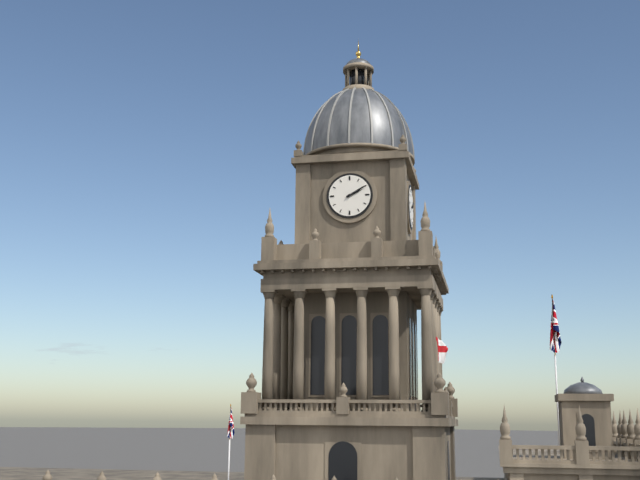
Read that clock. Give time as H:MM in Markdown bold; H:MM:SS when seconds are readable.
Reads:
**2:10**
